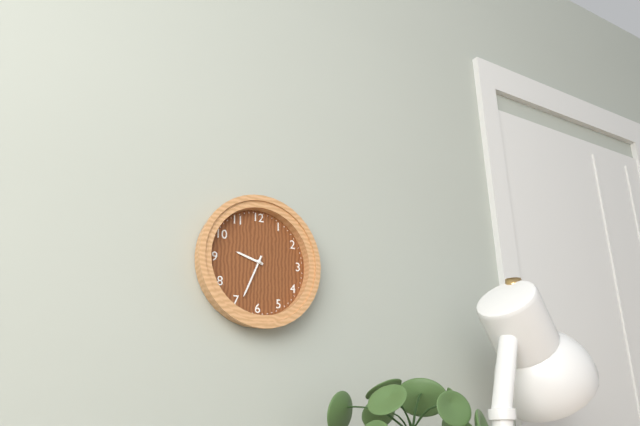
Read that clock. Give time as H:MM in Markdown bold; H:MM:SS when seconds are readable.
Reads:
**9:34**
